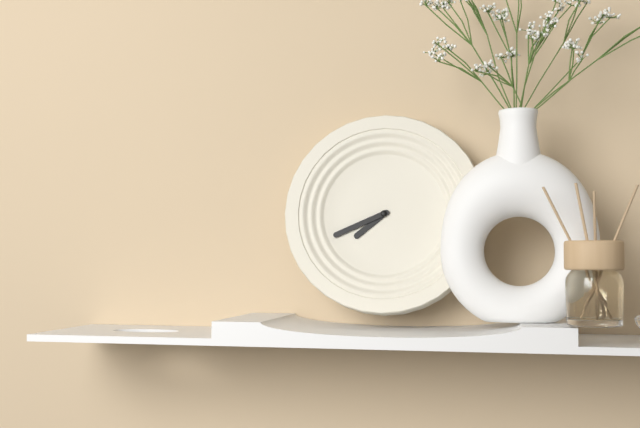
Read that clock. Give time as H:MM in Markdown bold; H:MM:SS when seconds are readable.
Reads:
**7:41**
